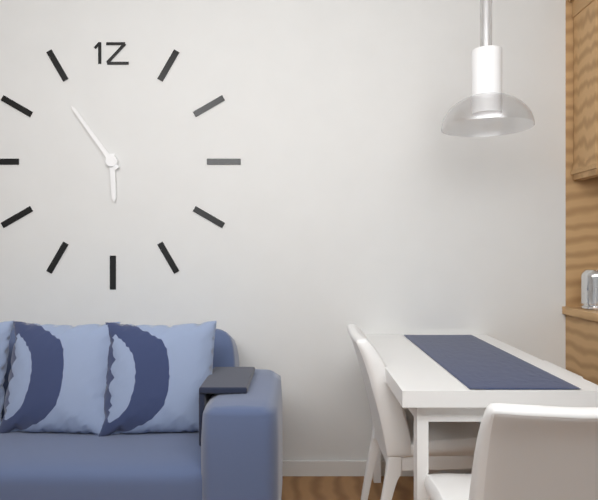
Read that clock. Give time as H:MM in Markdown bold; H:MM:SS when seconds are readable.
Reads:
**5:54**
